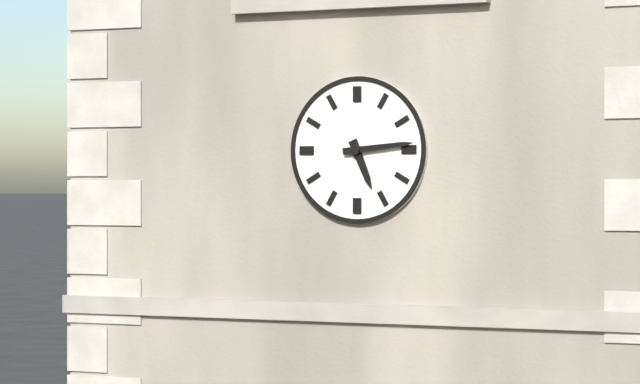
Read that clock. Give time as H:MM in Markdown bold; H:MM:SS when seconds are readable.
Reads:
**5:14**
